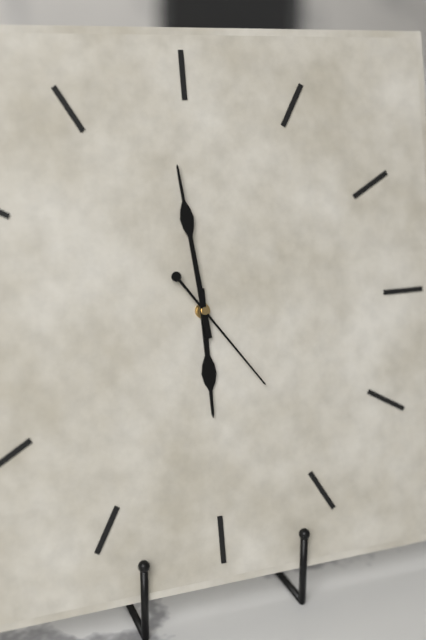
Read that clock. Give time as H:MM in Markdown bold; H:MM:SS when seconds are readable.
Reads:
**5:59:24**
